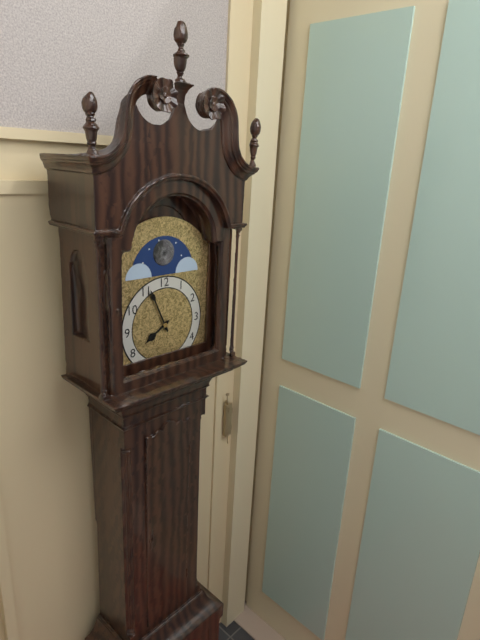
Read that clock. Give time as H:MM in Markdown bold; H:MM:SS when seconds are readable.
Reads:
**7:56**
